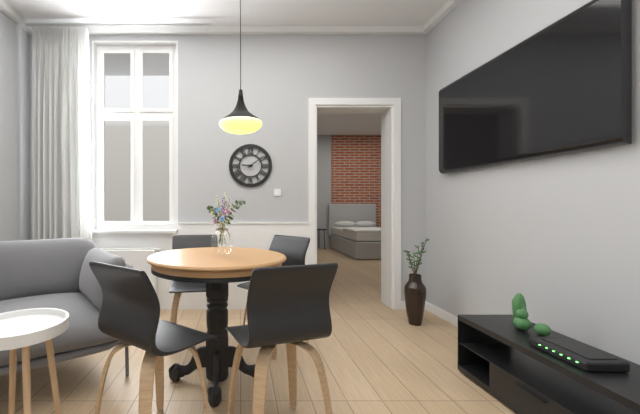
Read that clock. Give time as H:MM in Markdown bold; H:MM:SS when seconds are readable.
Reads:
**9:09**
